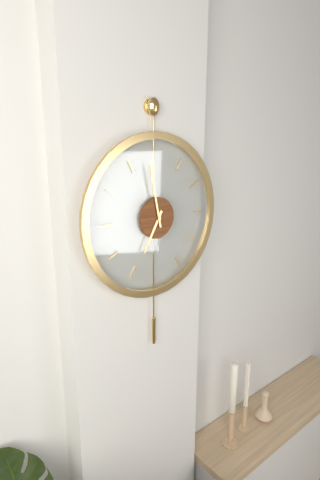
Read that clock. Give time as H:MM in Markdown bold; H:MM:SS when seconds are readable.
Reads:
**6:58**
